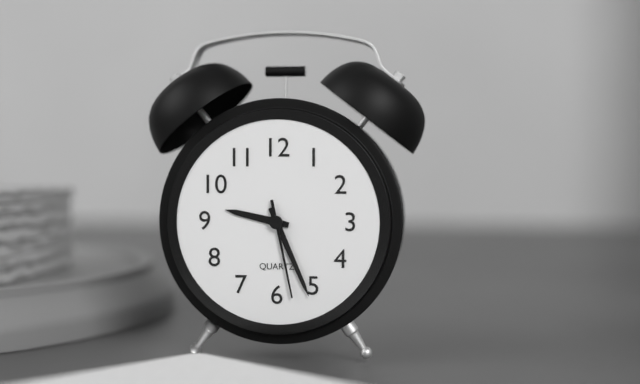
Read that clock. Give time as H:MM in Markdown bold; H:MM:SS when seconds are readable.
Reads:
**9:26:28**
